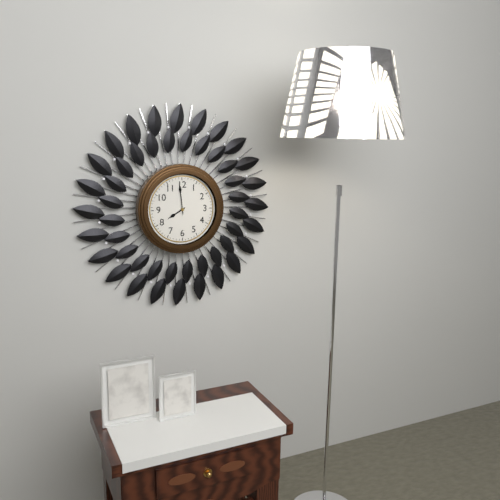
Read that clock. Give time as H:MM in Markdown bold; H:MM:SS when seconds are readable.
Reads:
**7:59**
